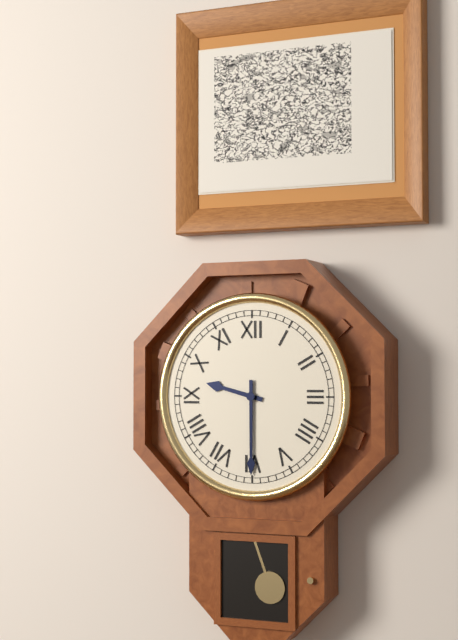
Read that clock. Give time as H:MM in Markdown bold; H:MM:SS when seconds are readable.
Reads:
**9:30**
